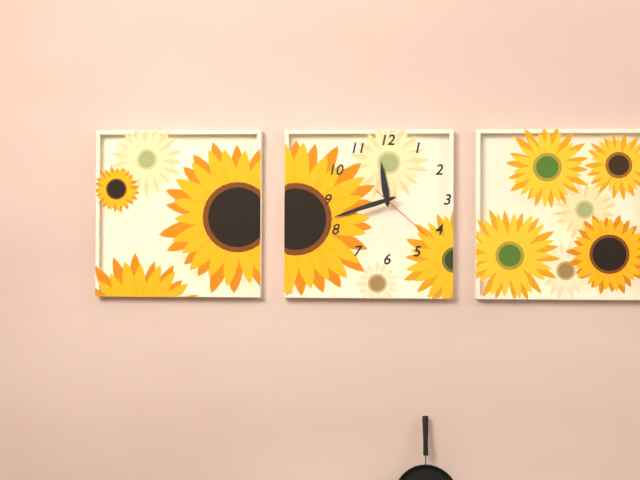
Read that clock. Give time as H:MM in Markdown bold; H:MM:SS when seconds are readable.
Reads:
**11:42:22**
